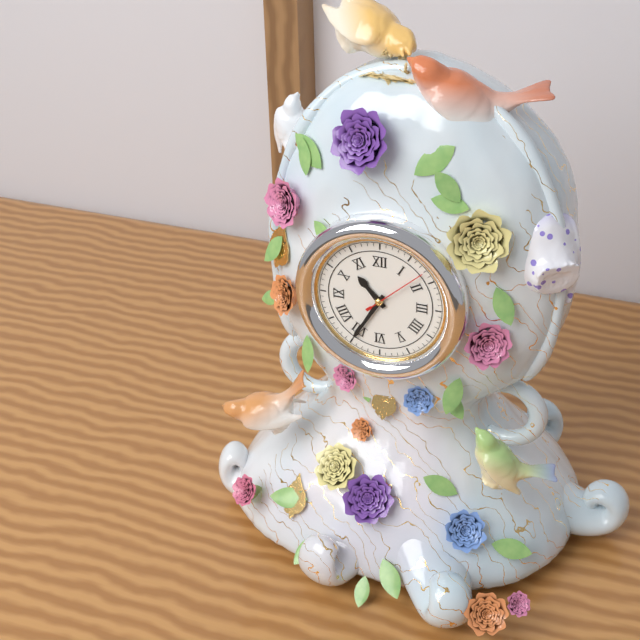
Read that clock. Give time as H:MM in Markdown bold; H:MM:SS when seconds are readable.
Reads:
**10:35:08**
